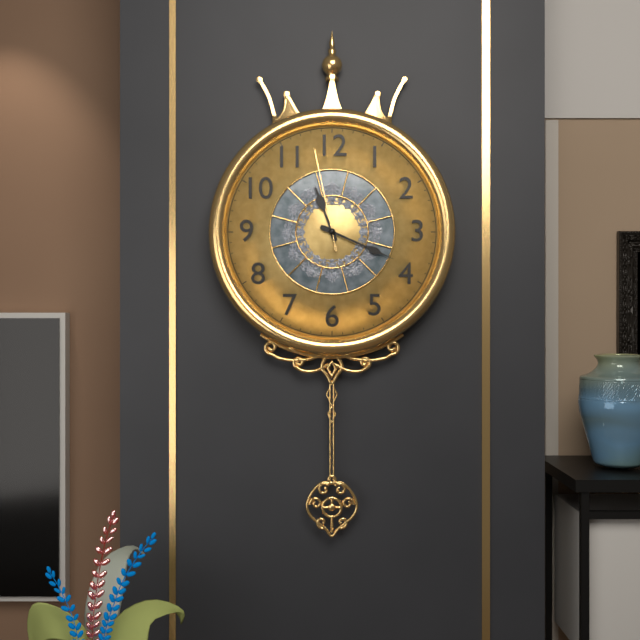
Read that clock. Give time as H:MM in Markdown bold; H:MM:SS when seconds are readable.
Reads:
**11:19:58**
